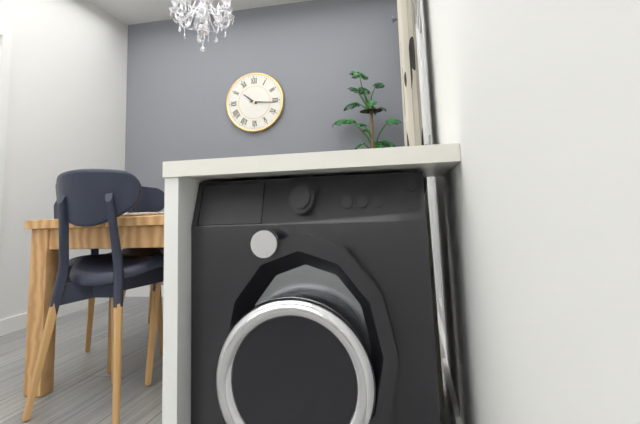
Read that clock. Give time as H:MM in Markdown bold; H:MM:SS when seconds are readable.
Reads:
**10:16**
